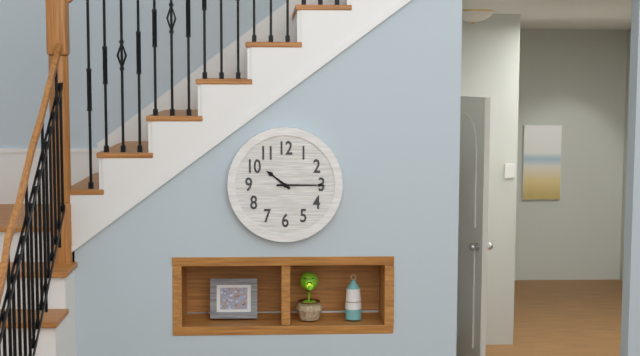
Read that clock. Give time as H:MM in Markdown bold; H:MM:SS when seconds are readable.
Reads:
**10:15**
